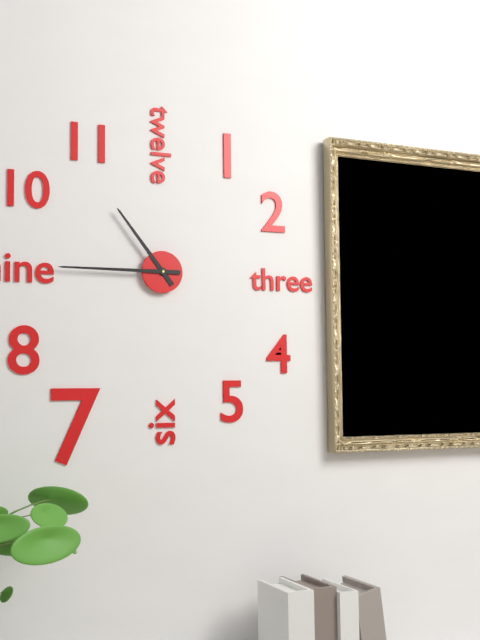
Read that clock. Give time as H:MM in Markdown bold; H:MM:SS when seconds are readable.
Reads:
**10:45**
